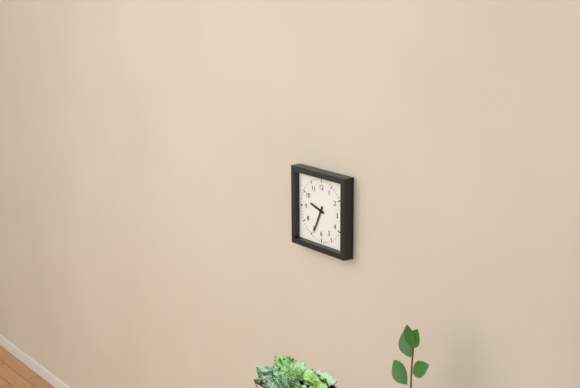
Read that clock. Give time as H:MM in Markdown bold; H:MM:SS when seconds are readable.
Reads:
**9:34**
